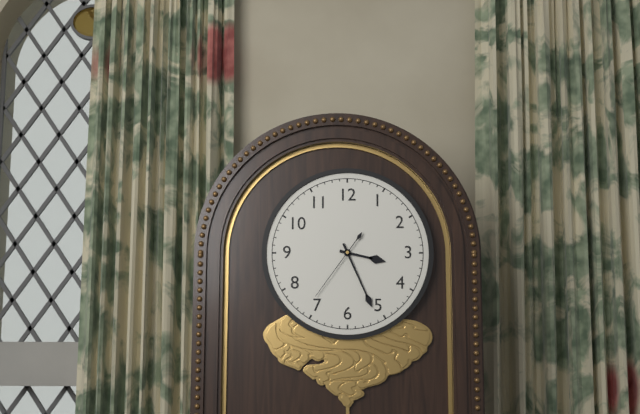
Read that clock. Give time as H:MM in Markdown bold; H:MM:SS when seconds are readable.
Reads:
**3:26:36**
